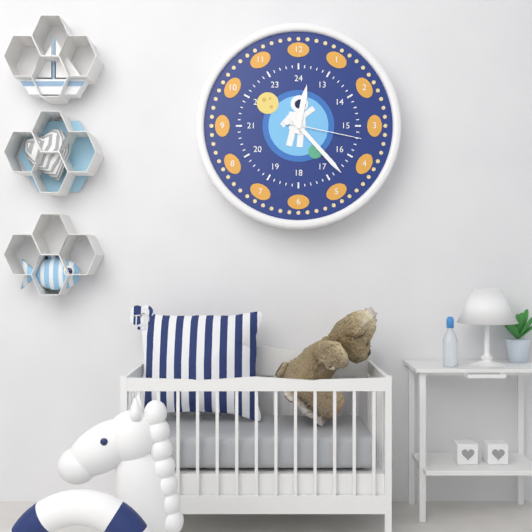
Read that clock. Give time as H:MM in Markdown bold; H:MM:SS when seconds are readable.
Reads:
**12:23:17**
